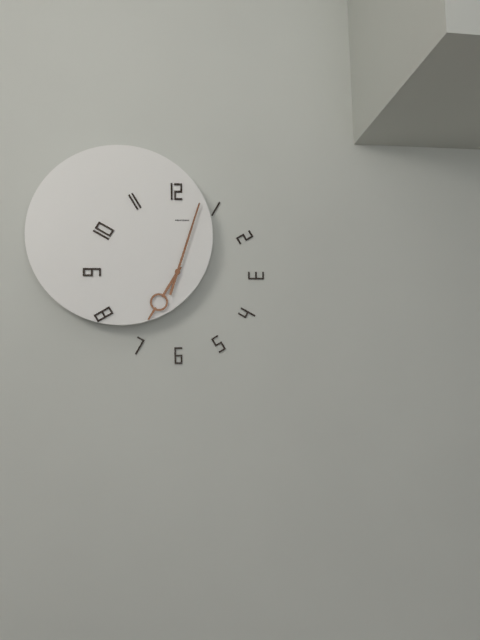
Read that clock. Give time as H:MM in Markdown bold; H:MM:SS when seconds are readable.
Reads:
**7:03**
